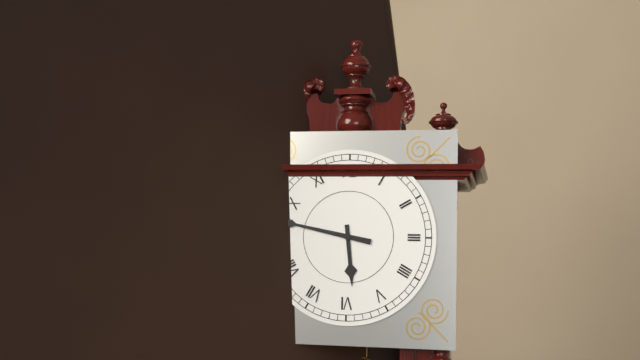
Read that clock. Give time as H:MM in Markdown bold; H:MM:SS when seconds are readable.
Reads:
**5:47**
